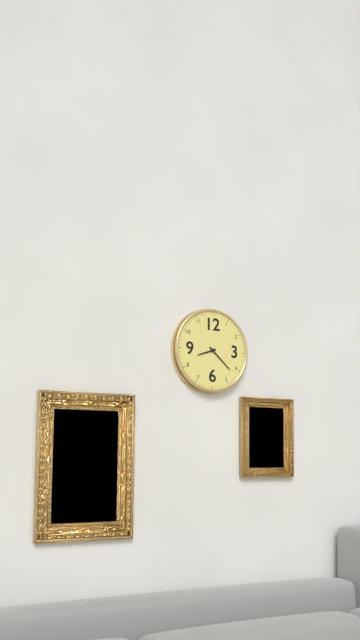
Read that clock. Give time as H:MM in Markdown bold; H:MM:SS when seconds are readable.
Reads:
**8:22**
